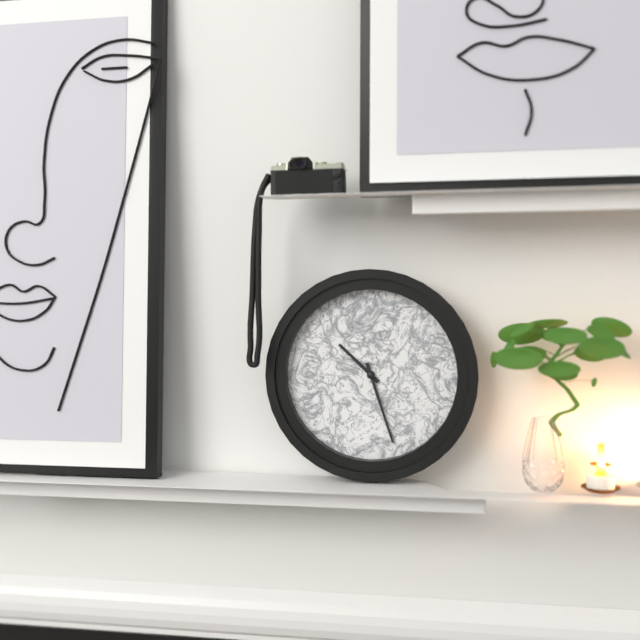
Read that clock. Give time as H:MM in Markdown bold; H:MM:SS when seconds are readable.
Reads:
**10:27**
